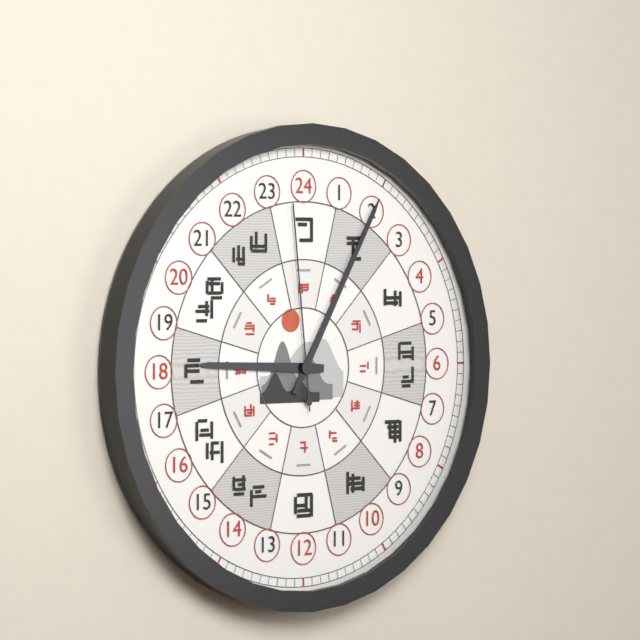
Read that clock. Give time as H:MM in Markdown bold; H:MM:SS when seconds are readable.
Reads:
**9:05:59**
